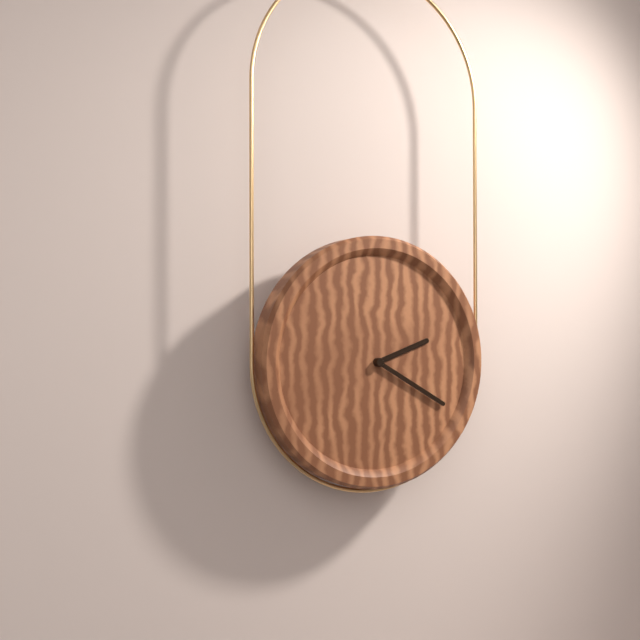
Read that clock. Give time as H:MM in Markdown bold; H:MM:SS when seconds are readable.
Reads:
**2:20**
